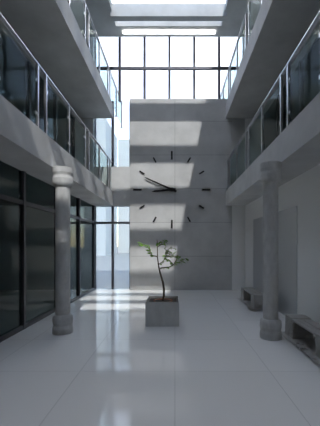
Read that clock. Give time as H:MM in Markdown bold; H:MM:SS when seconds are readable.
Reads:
**8:49**
